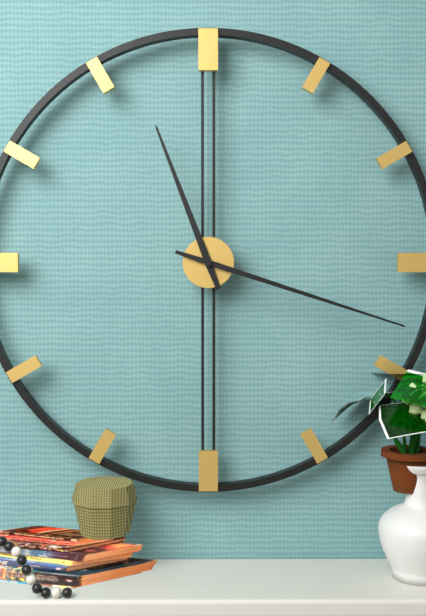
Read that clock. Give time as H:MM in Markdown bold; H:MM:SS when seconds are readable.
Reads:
**11:18**
